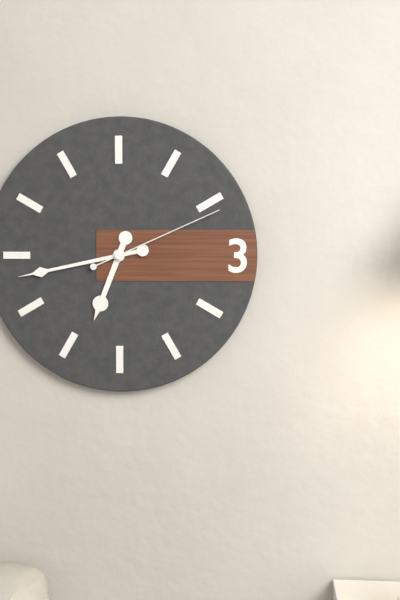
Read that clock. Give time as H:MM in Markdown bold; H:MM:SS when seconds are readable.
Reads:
**6:43:11**
